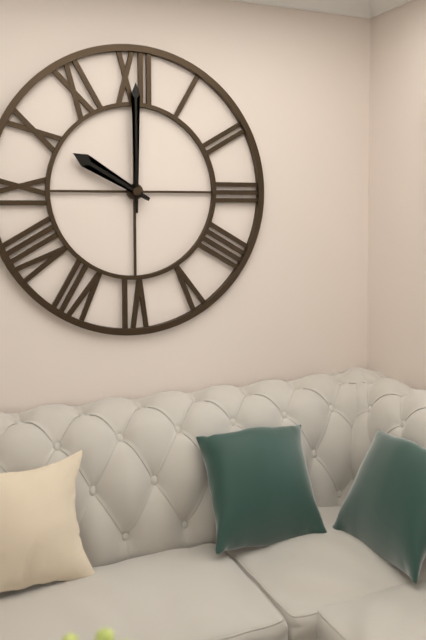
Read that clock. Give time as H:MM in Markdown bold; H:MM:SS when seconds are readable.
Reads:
**10:00**
